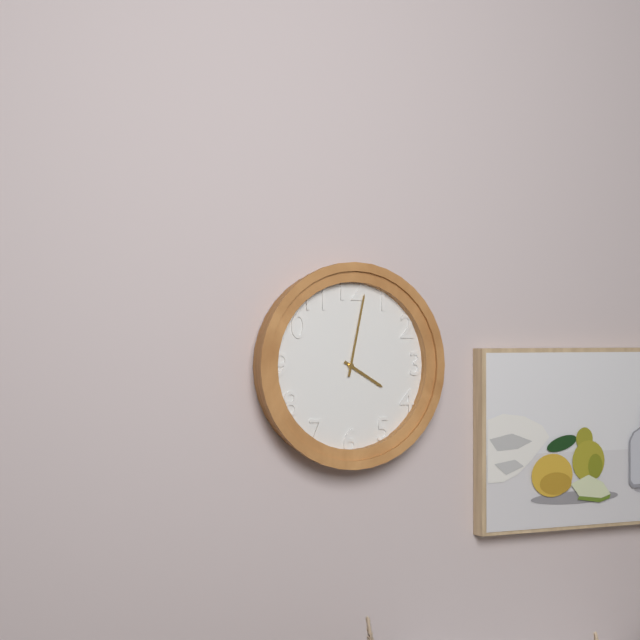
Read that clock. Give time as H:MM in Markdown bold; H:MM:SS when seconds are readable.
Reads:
**4:02**
